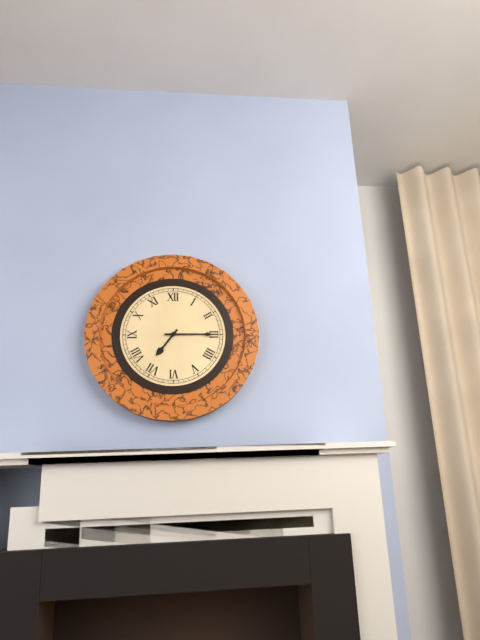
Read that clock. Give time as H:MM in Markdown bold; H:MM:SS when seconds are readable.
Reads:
**7:15**
